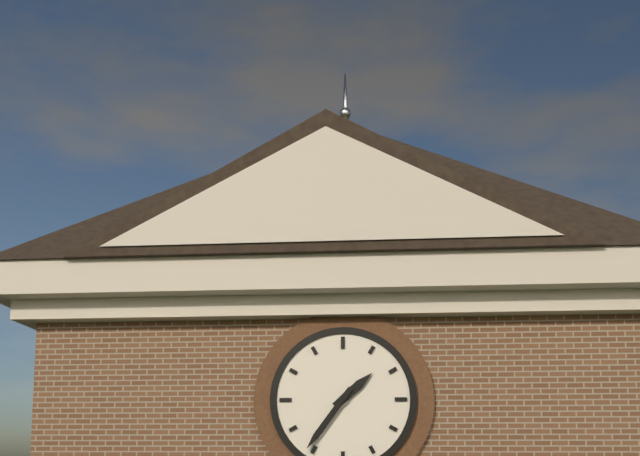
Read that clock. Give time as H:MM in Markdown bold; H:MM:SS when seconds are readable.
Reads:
**1:36**
